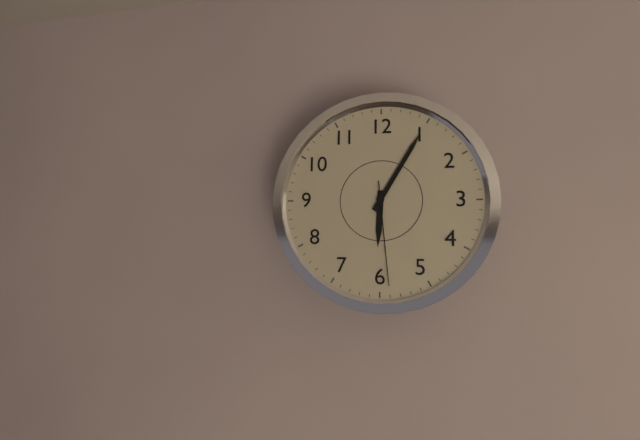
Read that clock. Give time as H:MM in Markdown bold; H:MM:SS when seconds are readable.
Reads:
**6:05:29**
